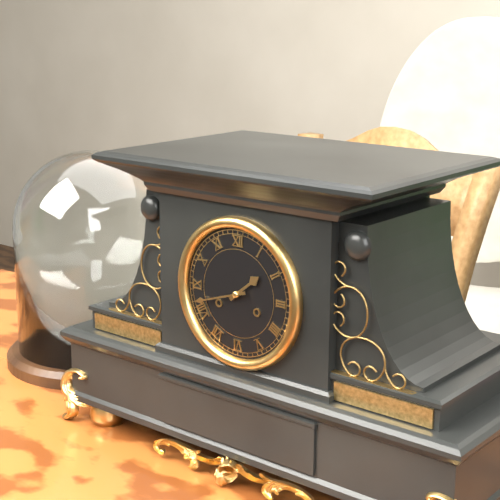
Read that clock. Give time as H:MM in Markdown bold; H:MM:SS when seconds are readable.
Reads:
**1:42**
